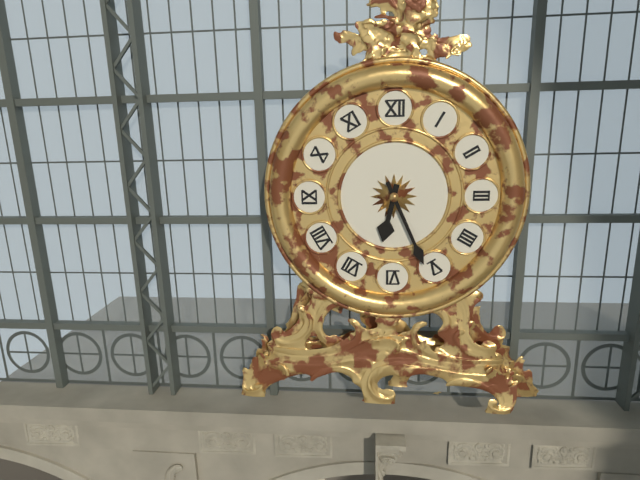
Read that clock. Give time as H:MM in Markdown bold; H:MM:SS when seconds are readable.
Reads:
**6:26**
